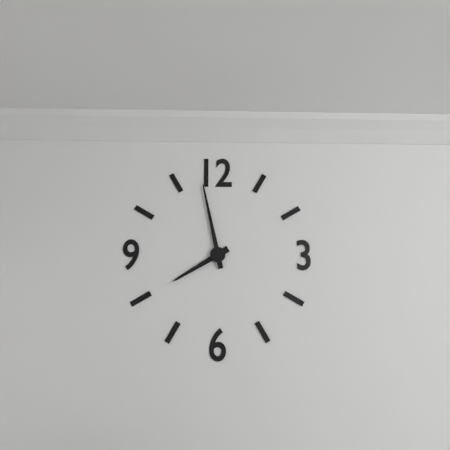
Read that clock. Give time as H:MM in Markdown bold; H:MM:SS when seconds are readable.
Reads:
**7:58**
